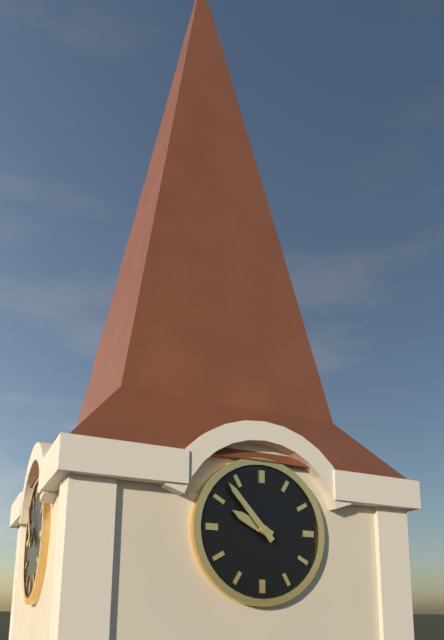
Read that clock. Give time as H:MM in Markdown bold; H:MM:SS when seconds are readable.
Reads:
**9:53**
